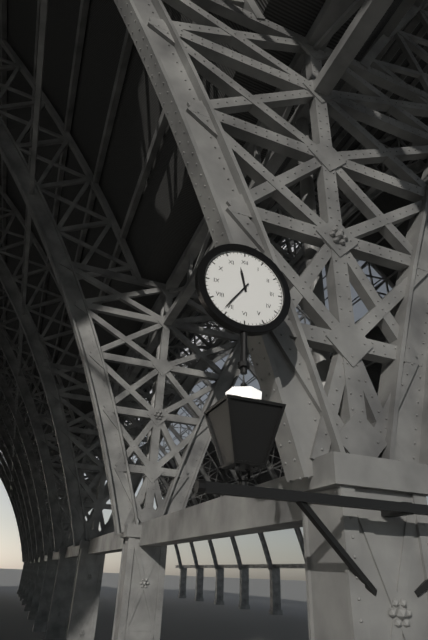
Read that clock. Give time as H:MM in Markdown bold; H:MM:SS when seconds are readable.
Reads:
**11:36**
